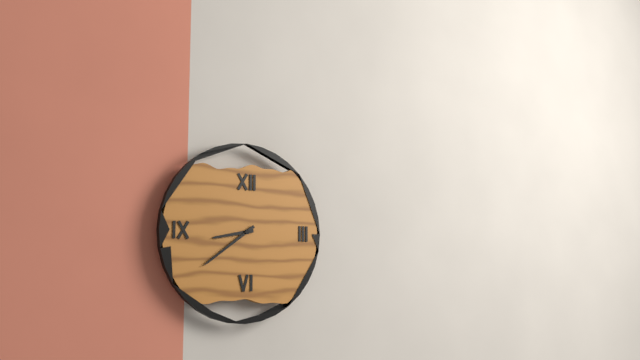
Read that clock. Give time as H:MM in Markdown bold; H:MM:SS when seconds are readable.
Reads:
**8:39**
